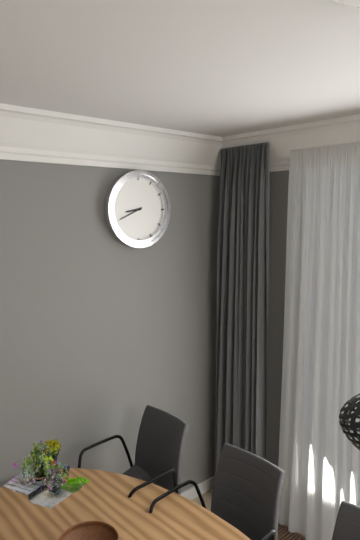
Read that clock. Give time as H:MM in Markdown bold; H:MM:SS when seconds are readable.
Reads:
**8:41**
